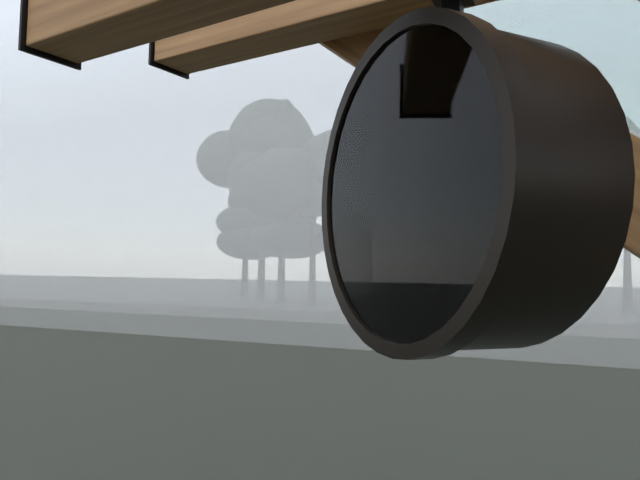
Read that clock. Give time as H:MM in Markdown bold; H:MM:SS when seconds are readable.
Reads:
**3:04**
